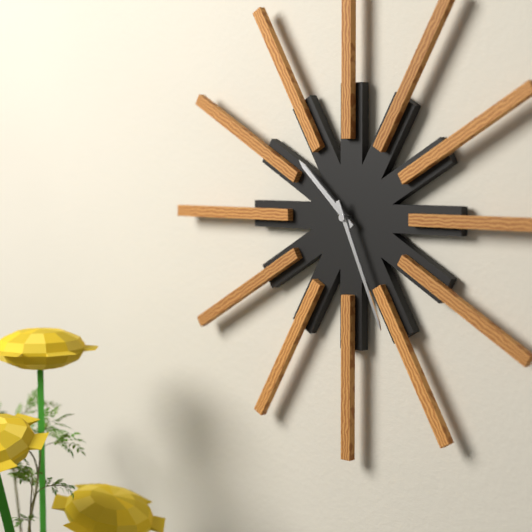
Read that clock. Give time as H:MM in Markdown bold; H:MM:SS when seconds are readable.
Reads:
**10:26**
